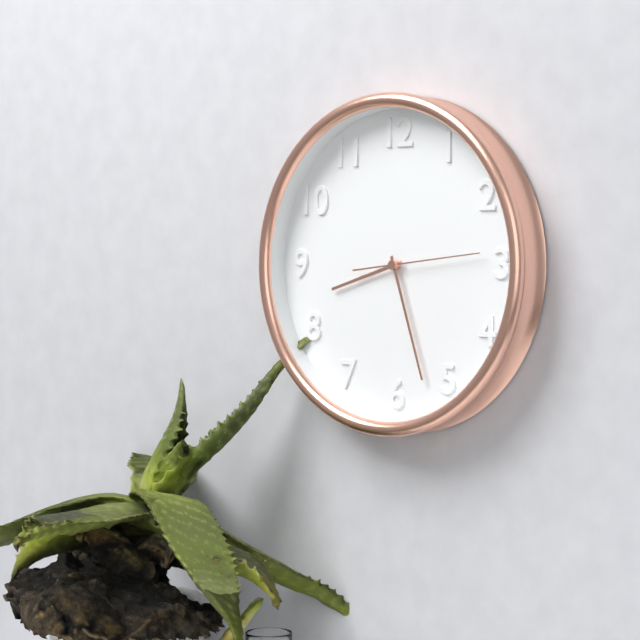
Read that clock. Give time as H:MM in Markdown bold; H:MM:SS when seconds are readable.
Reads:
**8:27:14**
